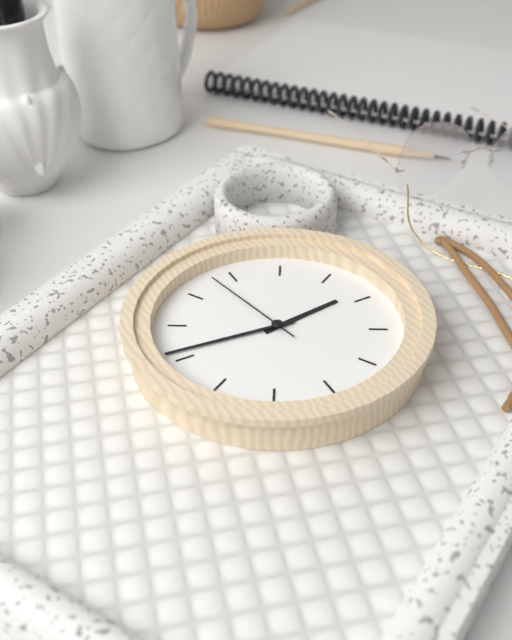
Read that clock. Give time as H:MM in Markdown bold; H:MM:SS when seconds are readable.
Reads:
**2:46:58**
